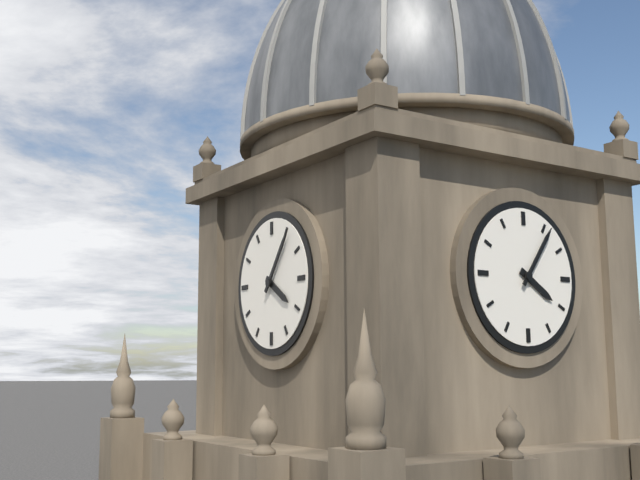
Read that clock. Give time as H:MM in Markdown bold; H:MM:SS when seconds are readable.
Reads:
**4:06**
